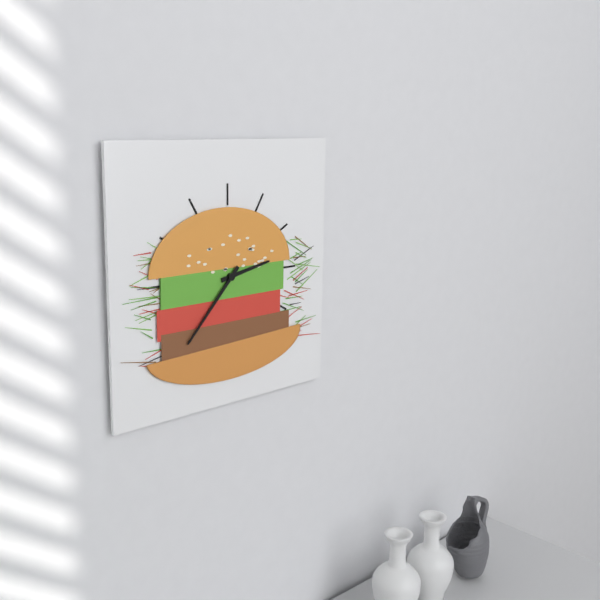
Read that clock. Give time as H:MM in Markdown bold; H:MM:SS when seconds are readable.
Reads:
**2:37**
